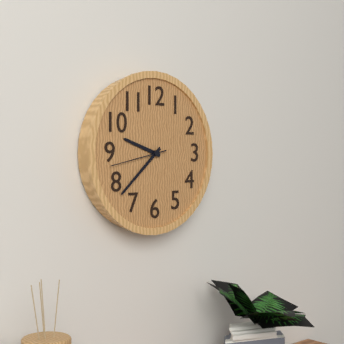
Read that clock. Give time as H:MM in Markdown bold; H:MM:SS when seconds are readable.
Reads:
**9:38:43**
